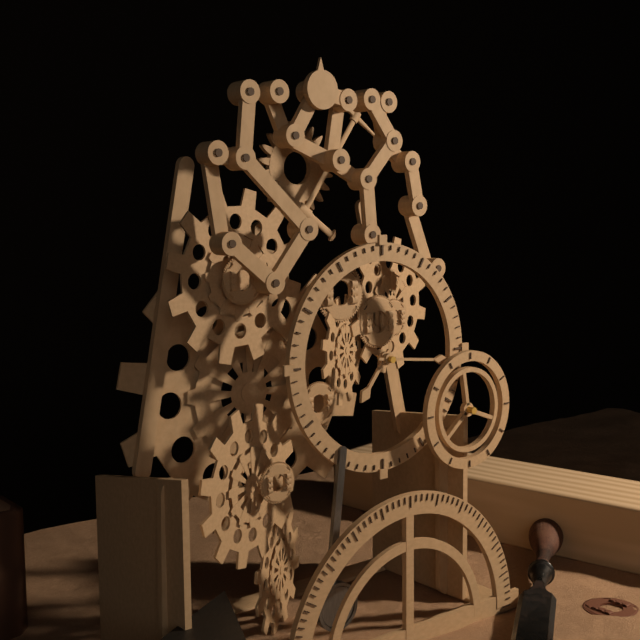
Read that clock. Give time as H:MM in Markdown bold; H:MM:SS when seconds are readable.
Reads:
**7:16**
